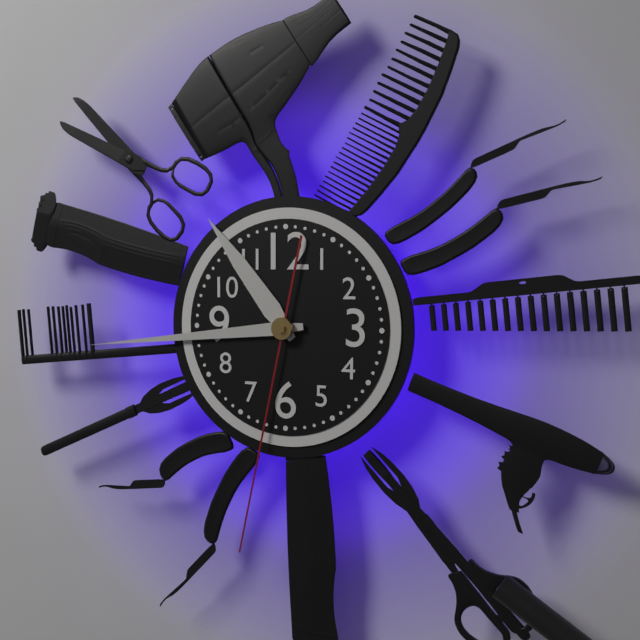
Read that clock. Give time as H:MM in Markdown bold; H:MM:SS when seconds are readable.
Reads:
**10:44:32**
